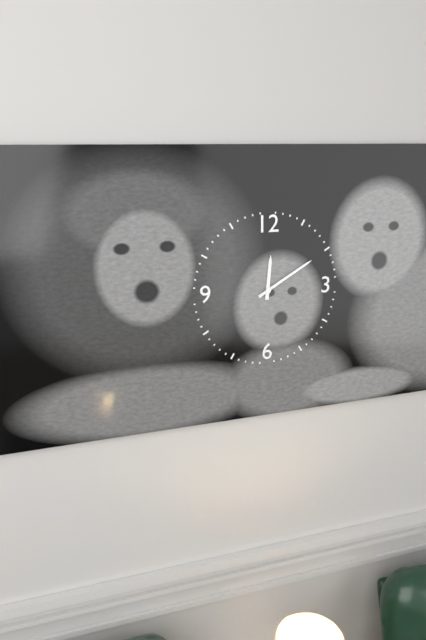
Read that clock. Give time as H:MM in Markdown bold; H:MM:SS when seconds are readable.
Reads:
**12:10**
